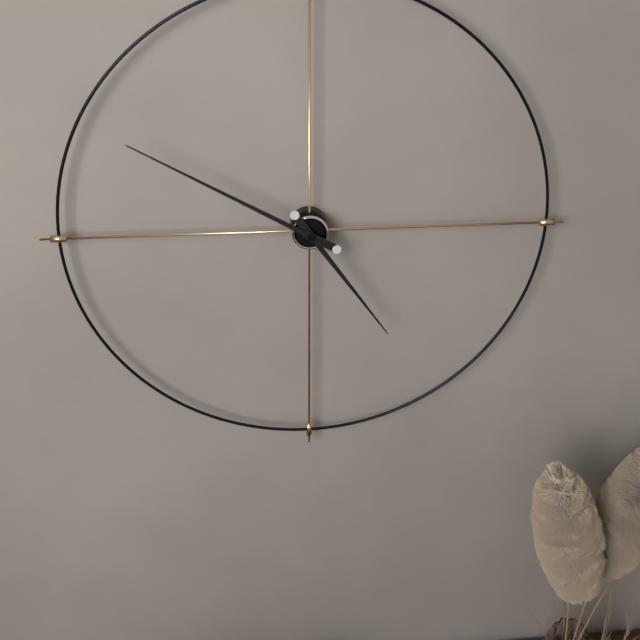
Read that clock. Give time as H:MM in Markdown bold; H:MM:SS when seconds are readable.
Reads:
**4:50**
